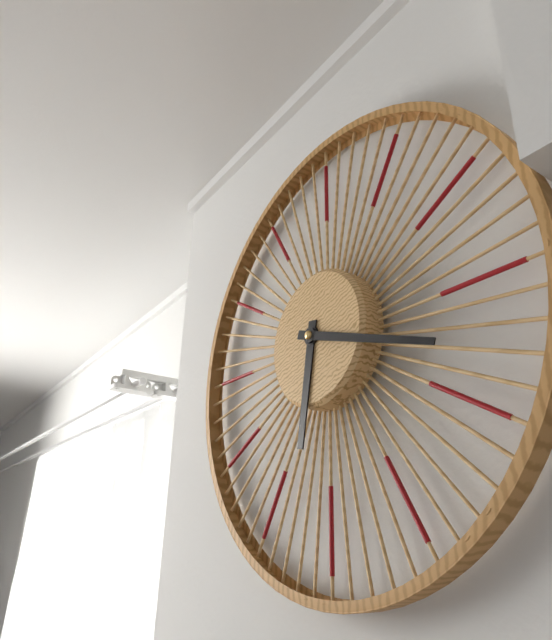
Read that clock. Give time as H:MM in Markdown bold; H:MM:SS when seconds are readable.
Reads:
**6:18**
